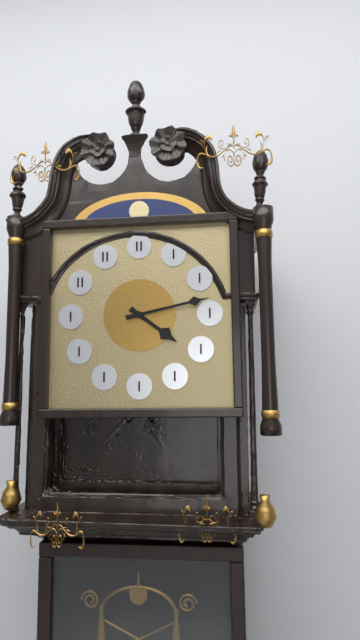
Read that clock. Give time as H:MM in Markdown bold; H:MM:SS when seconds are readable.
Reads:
**4:13**
